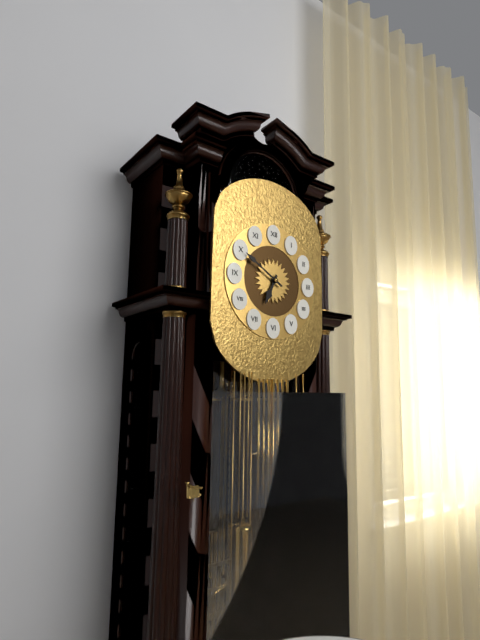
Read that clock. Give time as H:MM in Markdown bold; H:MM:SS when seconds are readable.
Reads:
**6:50**
